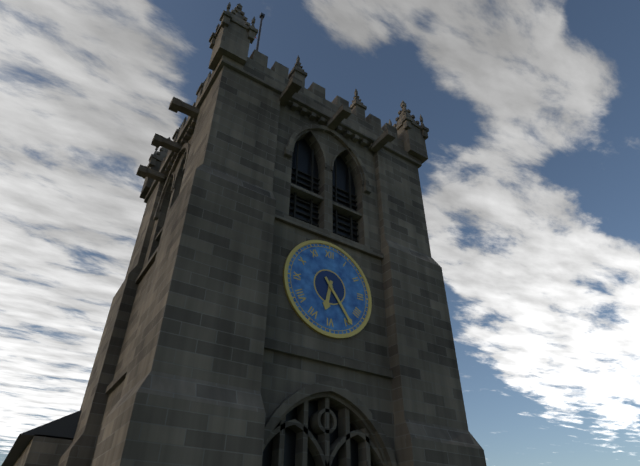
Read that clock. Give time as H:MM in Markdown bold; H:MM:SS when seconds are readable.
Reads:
**6:24**
